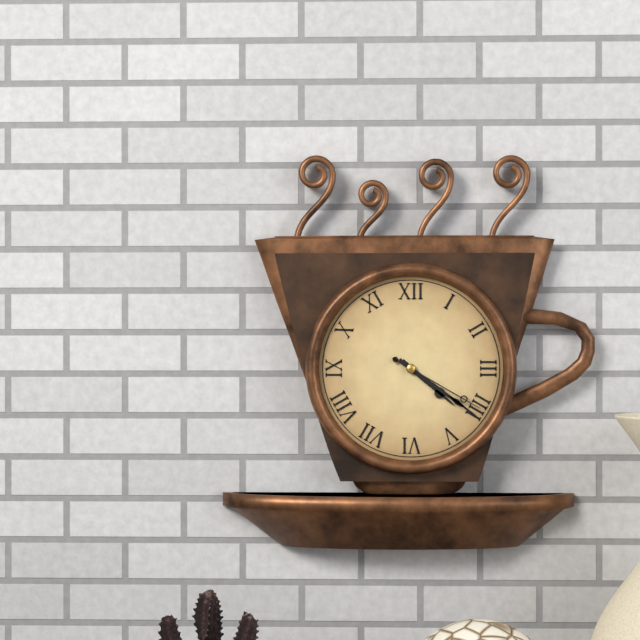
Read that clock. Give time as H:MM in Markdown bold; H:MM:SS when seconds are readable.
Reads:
**4:21:20**
